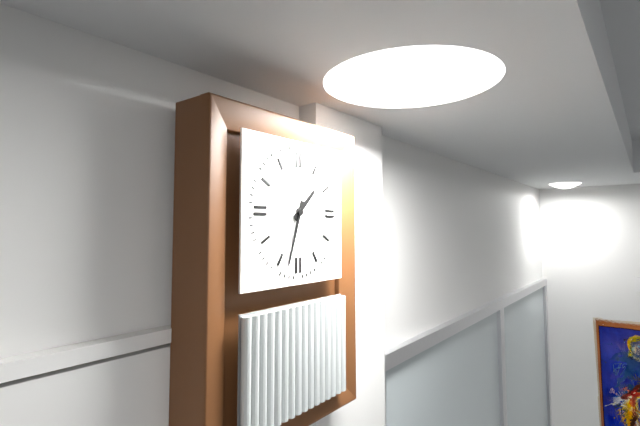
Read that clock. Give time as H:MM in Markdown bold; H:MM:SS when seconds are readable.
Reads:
**1:33**
